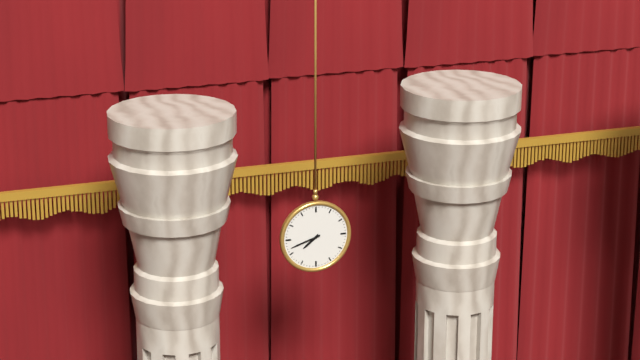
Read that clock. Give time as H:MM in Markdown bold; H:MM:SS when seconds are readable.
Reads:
**7:42**
